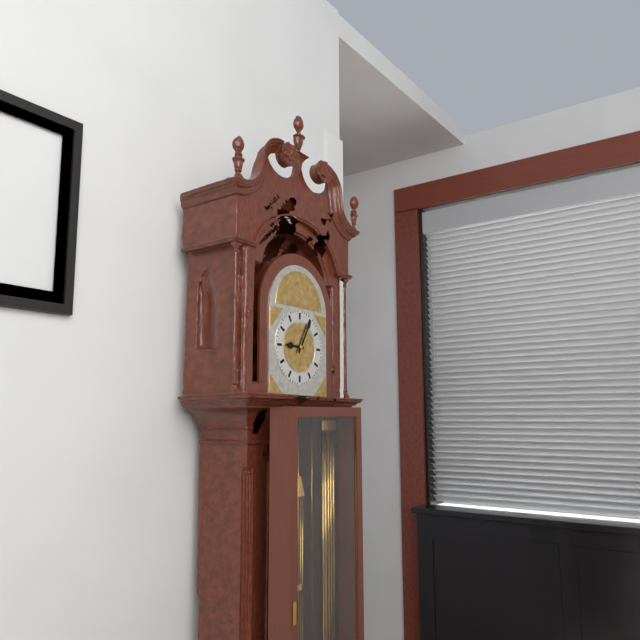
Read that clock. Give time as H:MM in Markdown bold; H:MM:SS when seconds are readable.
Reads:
**9:05**
